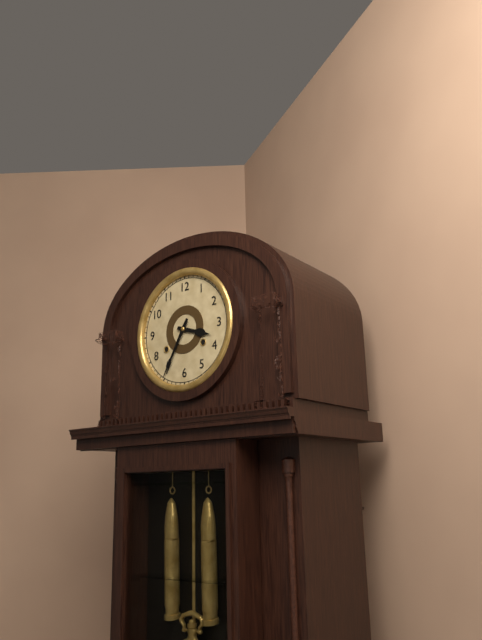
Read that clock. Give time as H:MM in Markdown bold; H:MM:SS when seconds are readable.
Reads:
**3:35**
